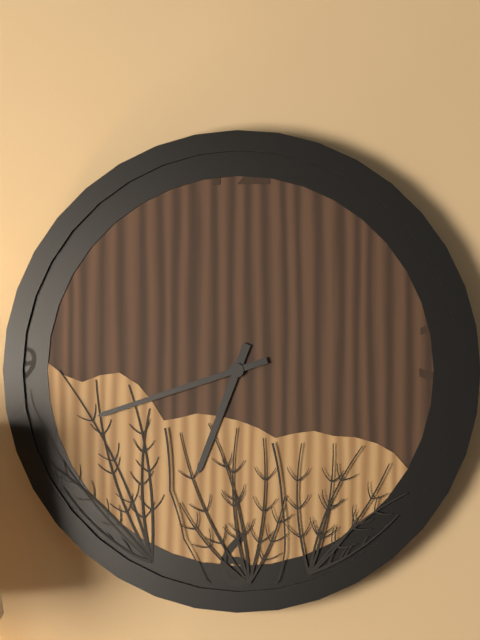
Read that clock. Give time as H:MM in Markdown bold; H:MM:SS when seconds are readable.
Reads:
**6:42**
